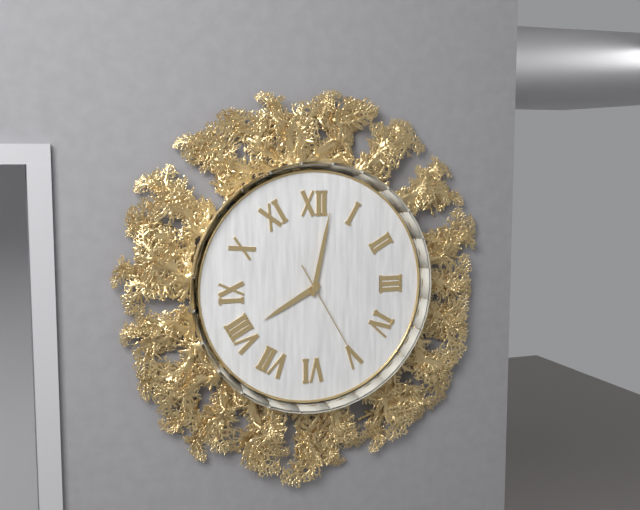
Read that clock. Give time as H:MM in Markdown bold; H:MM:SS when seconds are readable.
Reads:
**8:02:25**
